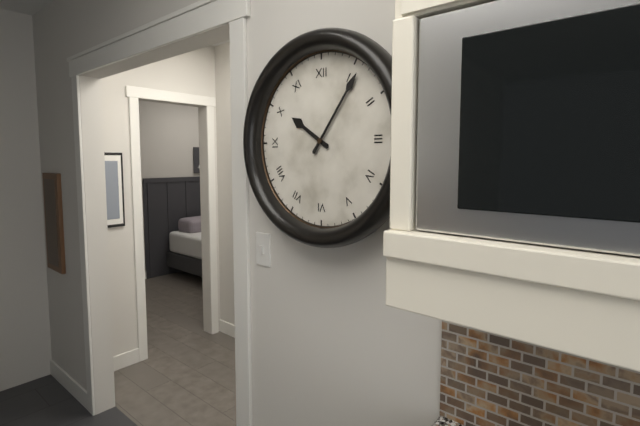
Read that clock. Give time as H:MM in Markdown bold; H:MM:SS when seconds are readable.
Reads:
**10:06**
